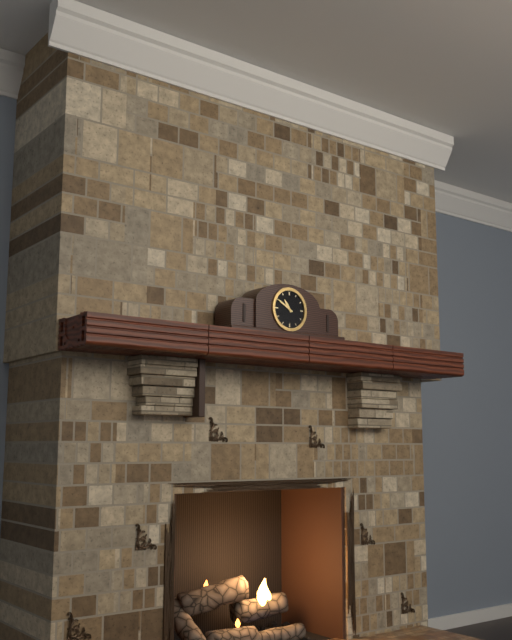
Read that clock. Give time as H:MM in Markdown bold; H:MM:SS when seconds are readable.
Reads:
**10:50**
